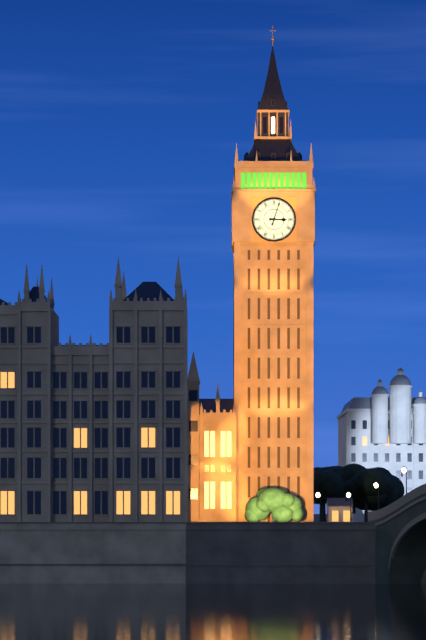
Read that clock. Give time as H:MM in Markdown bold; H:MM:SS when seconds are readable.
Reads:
**3:03**
